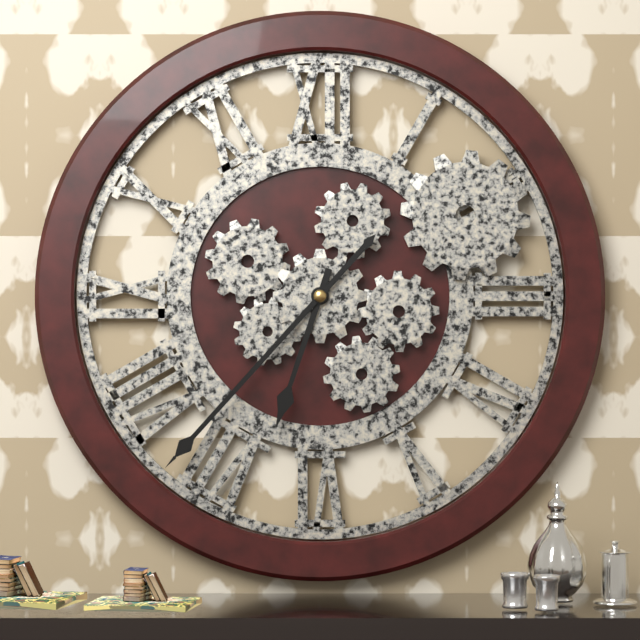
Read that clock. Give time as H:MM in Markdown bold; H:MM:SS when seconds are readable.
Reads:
**6:37**
